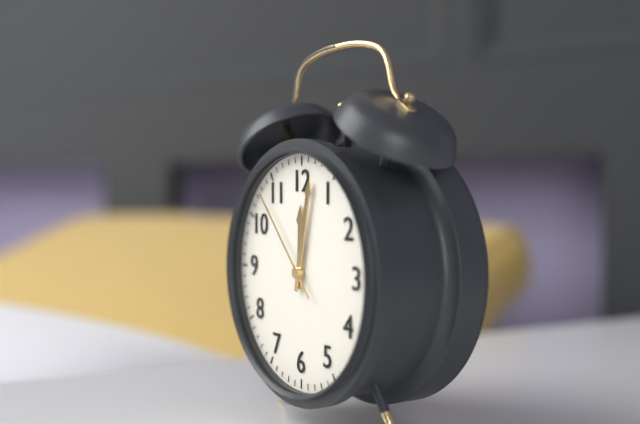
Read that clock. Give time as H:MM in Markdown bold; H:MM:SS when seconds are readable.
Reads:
**12:02:53**
